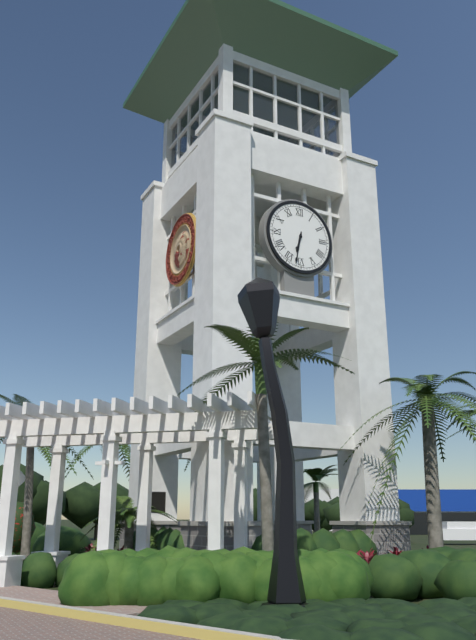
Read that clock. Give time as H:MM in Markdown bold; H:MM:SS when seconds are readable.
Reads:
**6:32**
